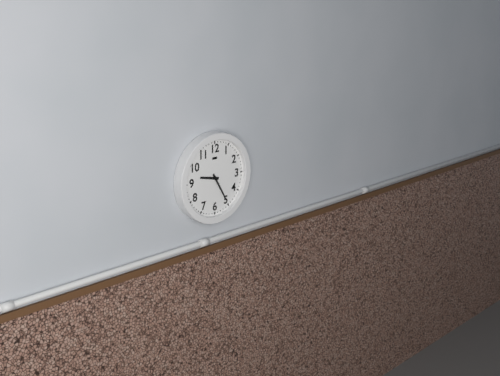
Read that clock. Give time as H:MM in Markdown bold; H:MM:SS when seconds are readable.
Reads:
**9:25**
